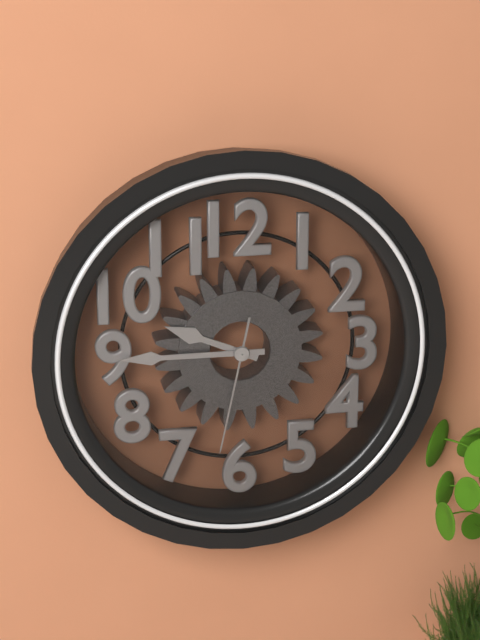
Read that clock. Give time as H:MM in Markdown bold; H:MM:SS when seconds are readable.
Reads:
**9:45:32**
